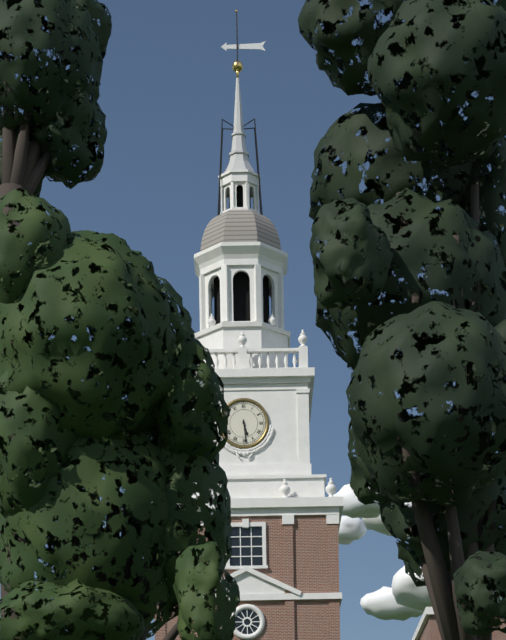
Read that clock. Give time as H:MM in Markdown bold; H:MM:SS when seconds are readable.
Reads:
**5:29**
